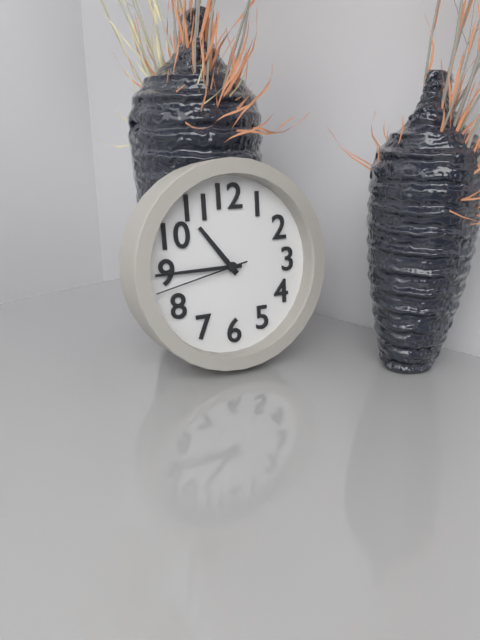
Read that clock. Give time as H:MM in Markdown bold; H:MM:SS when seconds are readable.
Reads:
**10:45:43**
